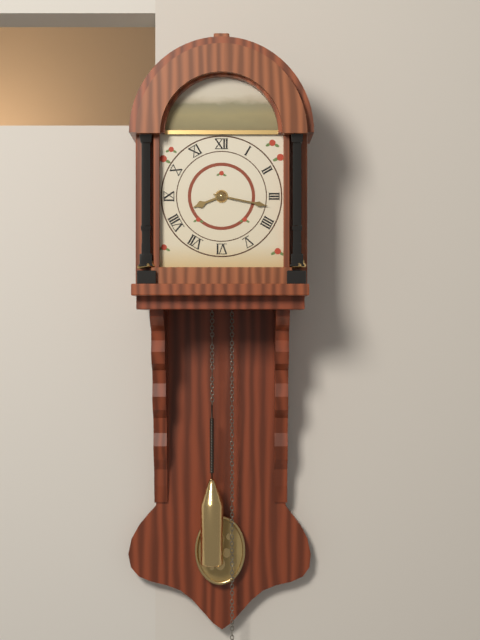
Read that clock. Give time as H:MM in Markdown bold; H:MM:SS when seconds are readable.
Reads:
**8:17**
